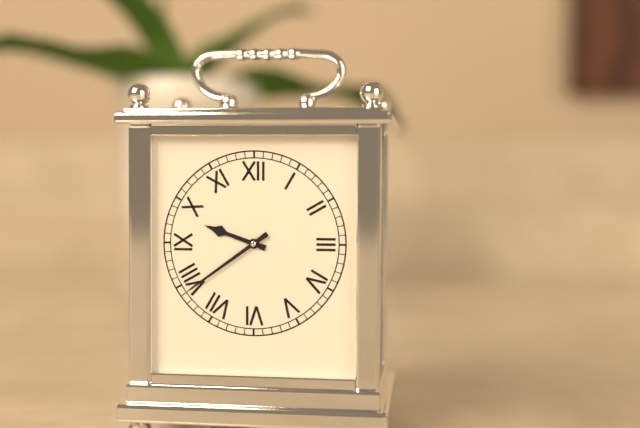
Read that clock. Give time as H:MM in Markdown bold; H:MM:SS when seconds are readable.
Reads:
**9:39**
